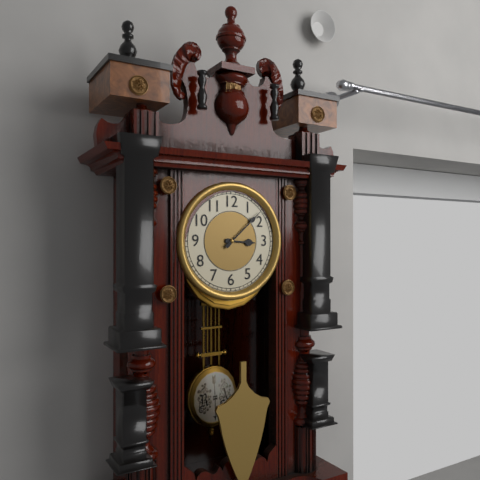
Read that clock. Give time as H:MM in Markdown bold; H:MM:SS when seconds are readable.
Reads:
**3:08**
